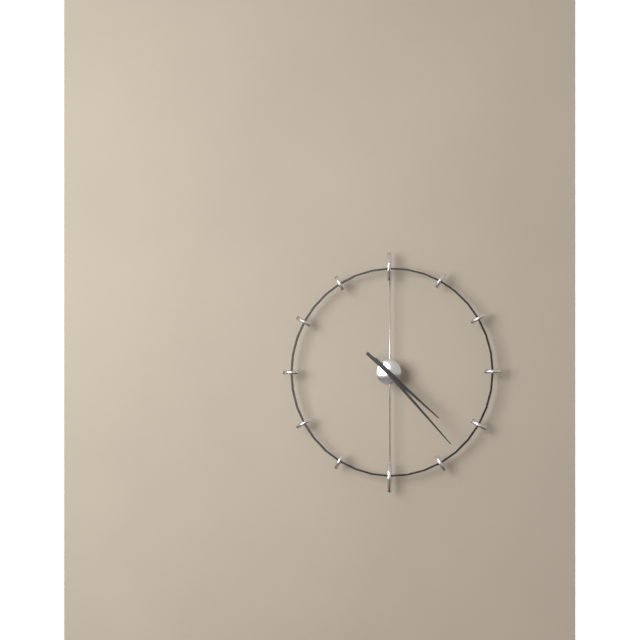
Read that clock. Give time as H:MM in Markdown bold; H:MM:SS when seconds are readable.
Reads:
**4:23**
